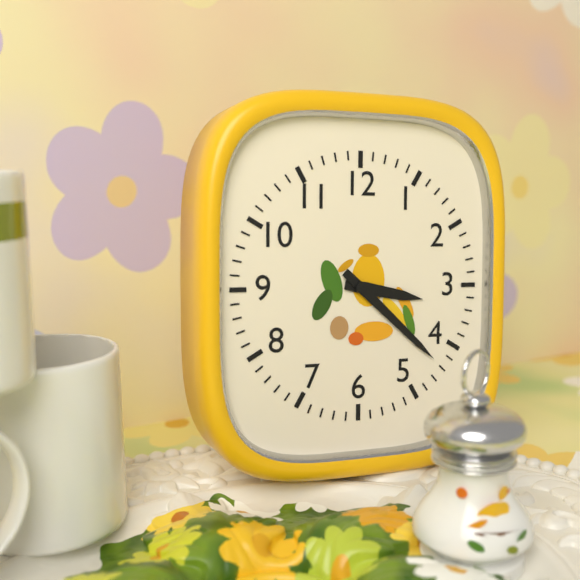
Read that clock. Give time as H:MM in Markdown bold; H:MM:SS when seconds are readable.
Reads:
**3:22**
